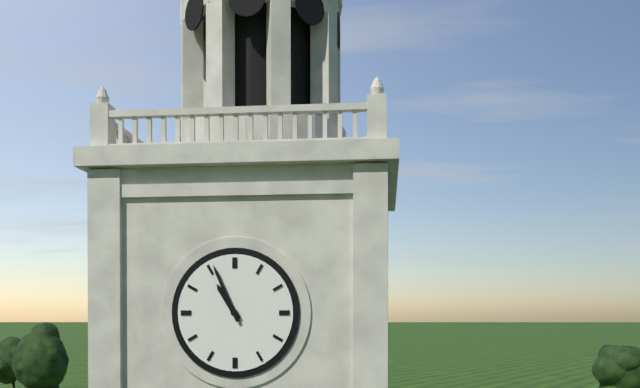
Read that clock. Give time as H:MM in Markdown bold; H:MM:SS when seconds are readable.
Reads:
**10:56**
